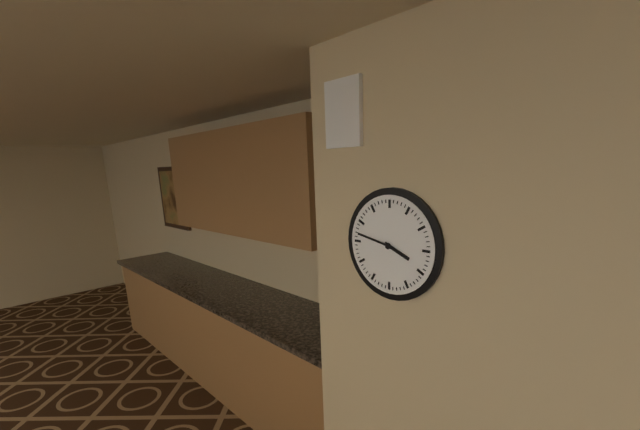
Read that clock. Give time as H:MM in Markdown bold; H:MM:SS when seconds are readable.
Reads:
**3:47**
